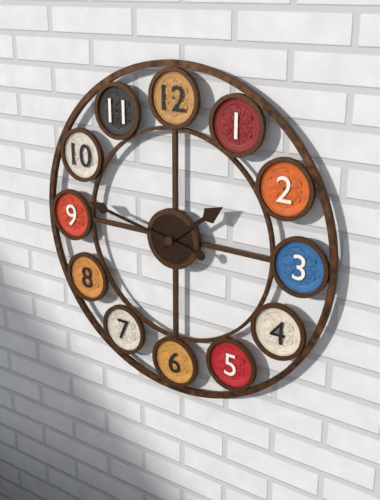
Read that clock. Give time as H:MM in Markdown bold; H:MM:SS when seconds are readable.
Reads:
**1:47**
